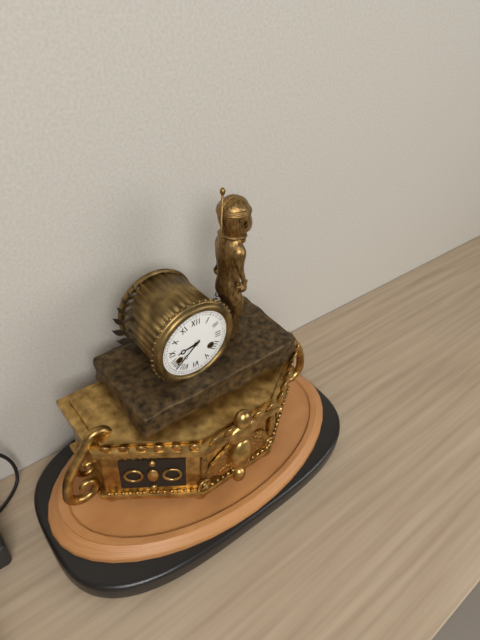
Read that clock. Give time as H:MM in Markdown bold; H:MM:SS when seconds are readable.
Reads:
**8:38**
